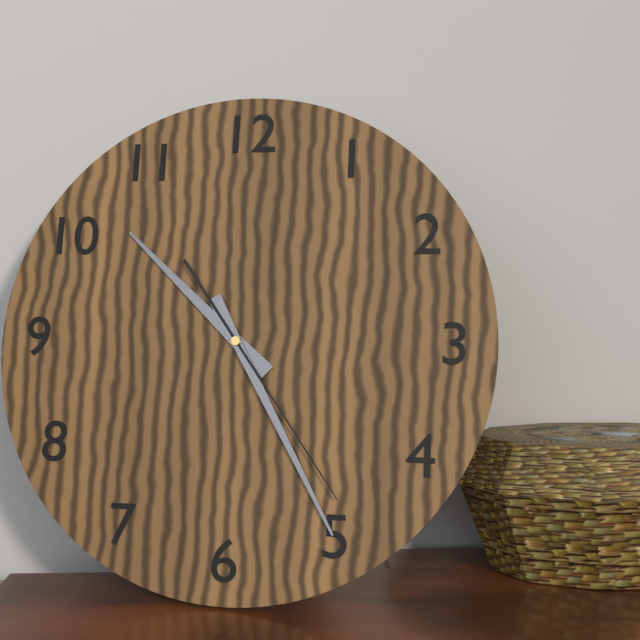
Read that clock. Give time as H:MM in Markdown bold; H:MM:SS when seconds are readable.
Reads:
**10:25:24**
